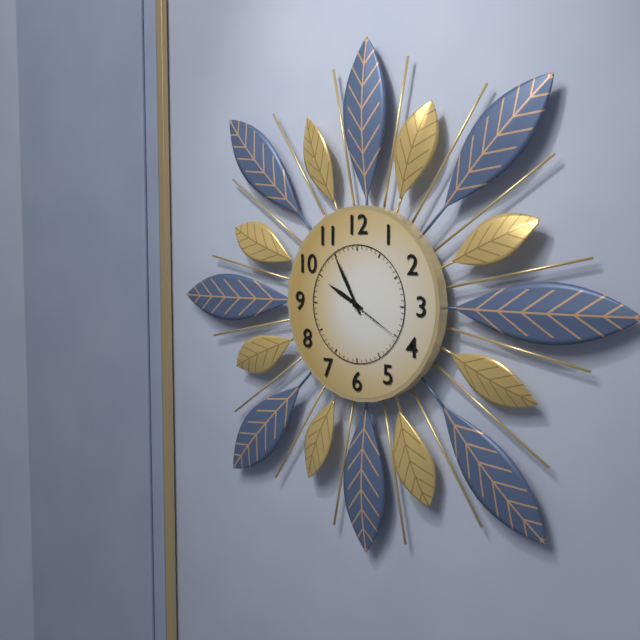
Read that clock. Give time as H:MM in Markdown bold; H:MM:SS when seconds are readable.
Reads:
**9:55:20**
